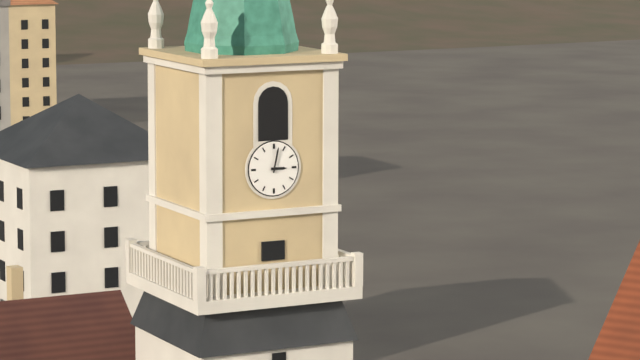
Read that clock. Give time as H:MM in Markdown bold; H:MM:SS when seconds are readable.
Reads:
**3:02**
